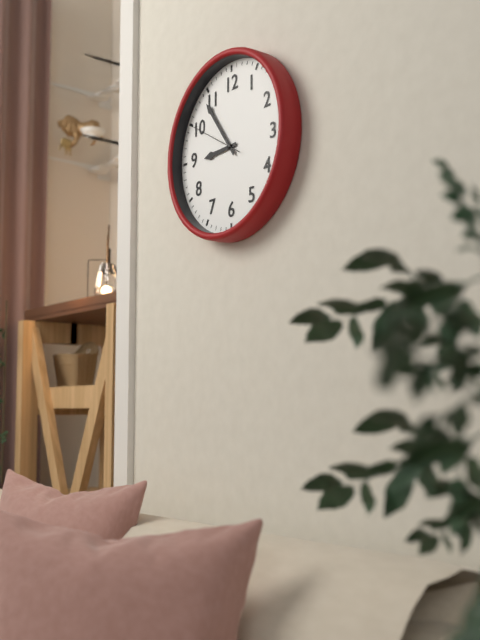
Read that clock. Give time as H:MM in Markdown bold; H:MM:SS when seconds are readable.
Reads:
**8:54:50**
